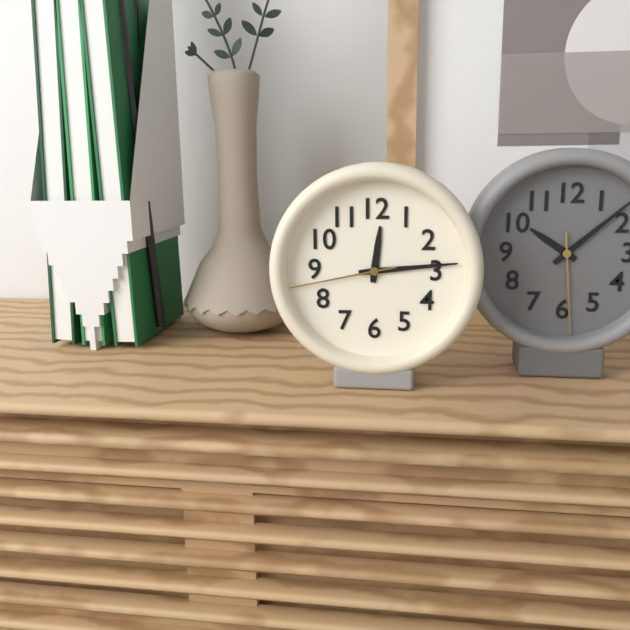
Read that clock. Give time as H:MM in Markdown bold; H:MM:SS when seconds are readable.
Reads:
**12:14:43**
